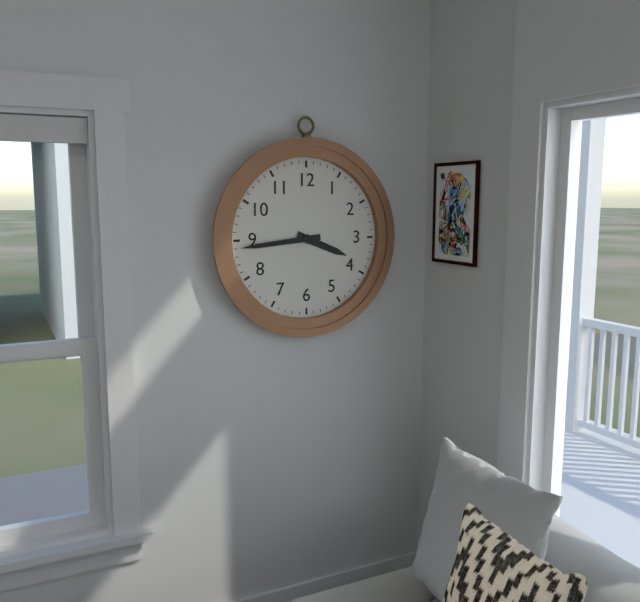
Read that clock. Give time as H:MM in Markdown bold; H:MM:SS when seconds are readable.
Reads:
**3:44**
